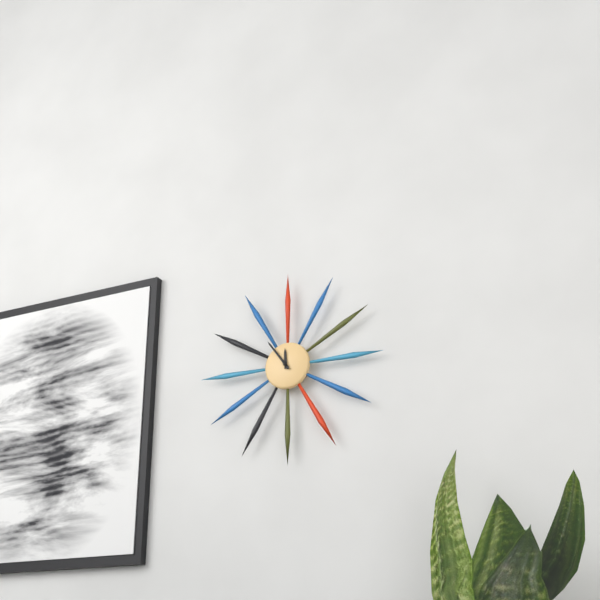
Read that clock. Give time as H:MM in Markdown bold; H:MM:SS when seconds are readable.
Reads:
**11:54**
